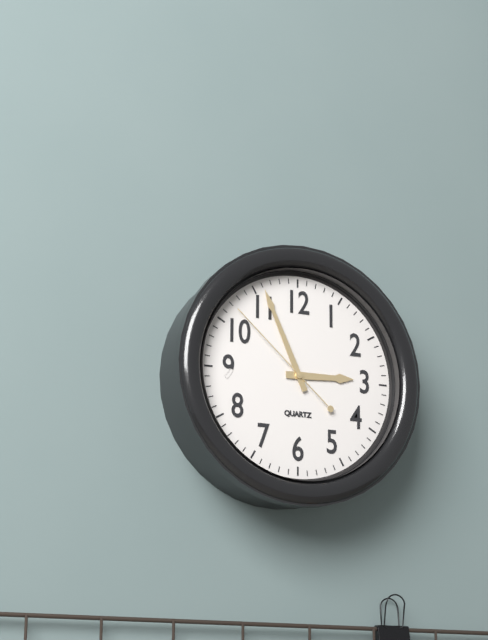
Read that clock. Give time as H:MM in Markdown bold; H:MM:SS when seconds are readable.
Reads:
**2:56:52**
